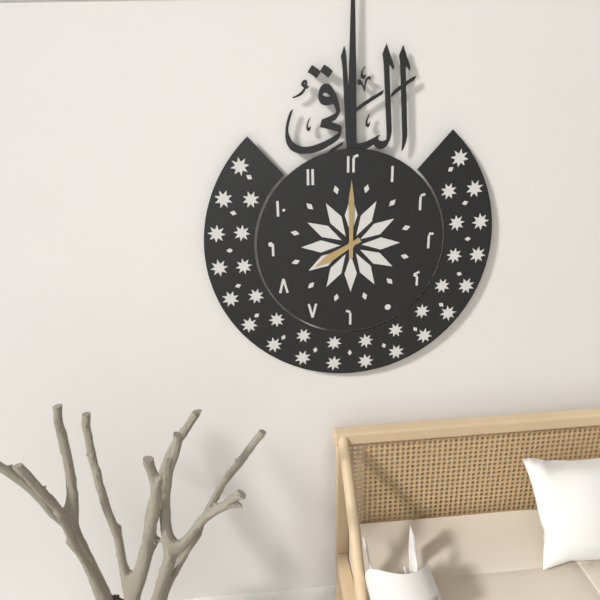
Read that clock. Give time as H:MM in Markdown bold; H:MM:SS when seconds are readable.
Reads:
**8:00**
